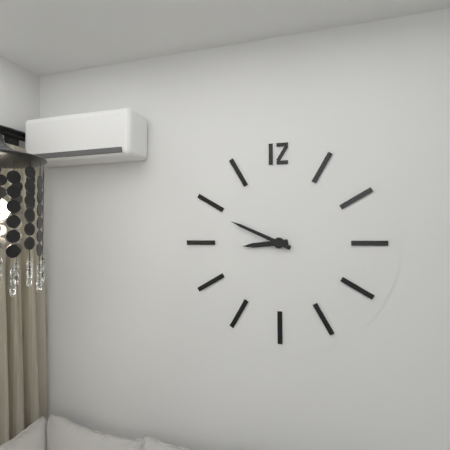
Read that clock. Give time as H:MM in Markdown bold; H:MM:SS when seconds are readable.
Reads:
**8:49**
